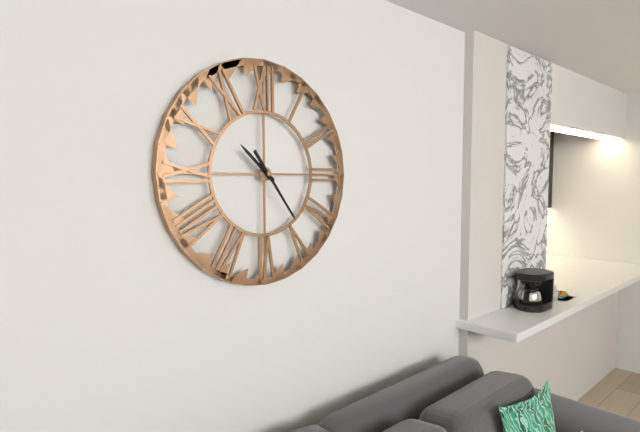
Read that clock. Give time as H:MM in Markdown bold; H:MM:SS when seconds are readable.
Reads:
**10:24**
